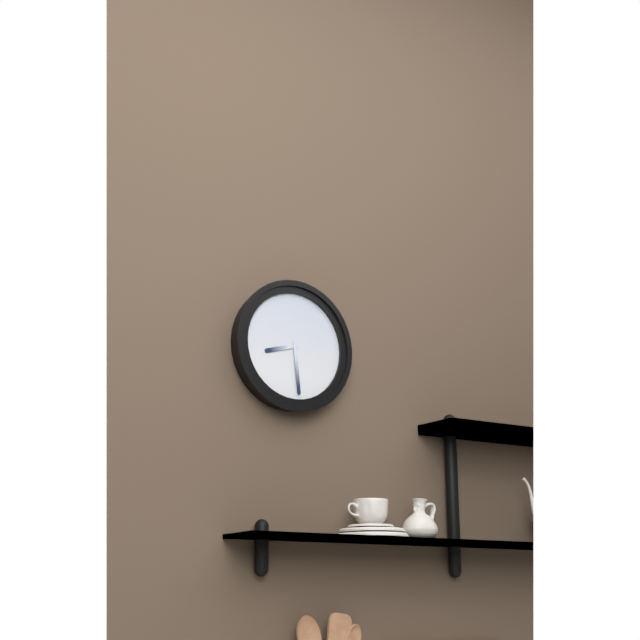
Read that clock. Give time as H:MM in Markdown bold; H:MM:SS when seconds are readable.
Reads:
**8:29**
